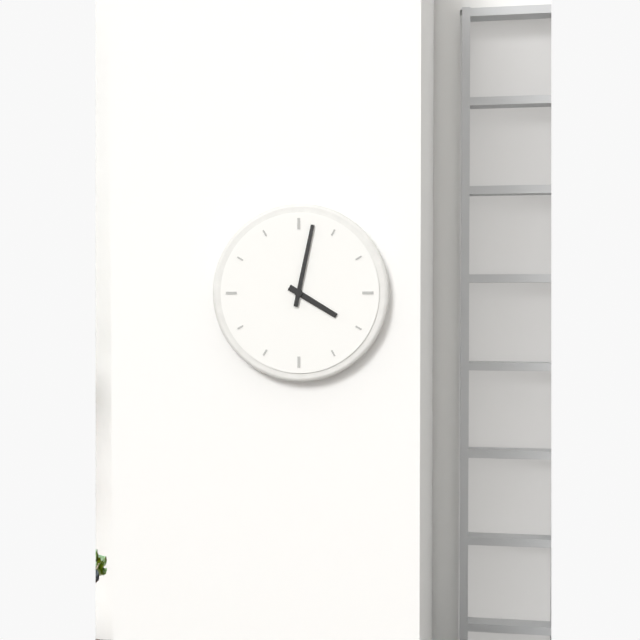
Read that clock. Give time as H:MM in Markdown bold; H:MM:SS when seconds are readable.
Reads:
**4:02**
